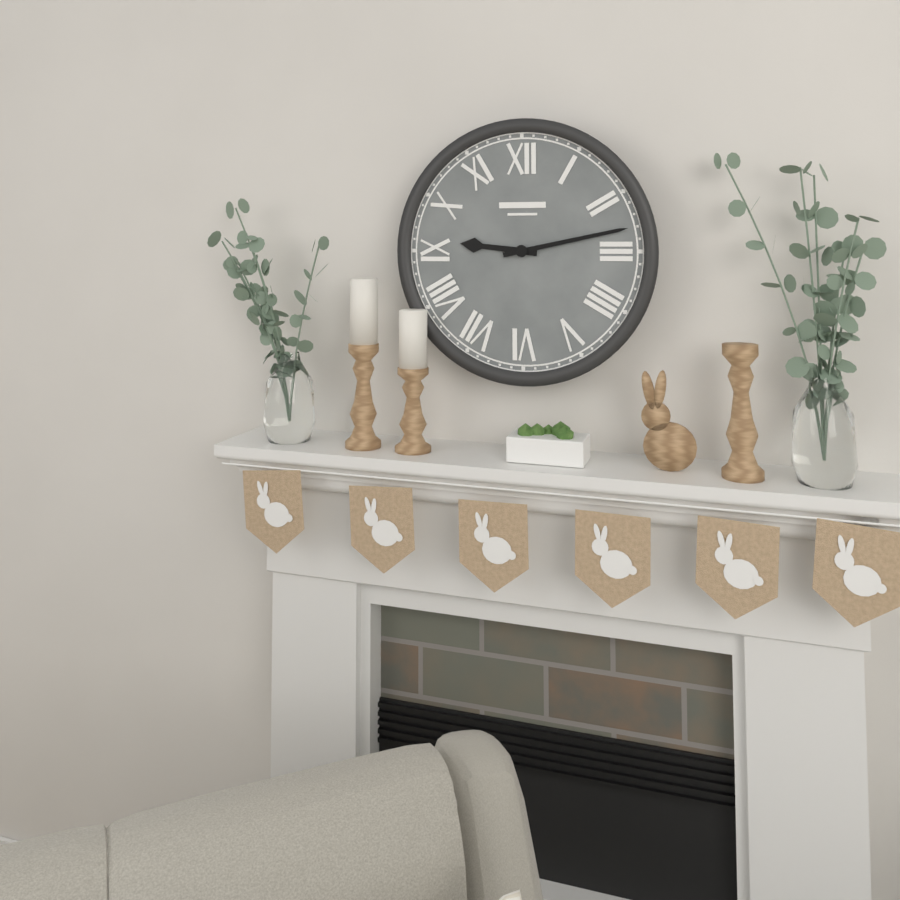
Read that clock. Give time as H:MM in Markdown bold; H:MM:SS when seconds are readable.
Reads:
**9:13**
